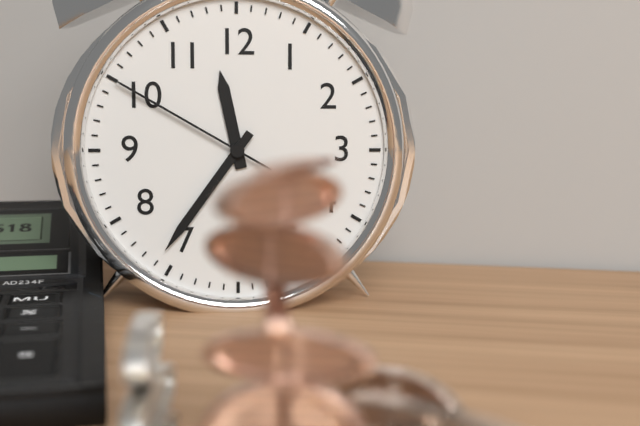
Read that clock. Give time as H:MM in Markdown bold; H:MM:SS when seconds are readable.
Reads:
**11:36:50**
